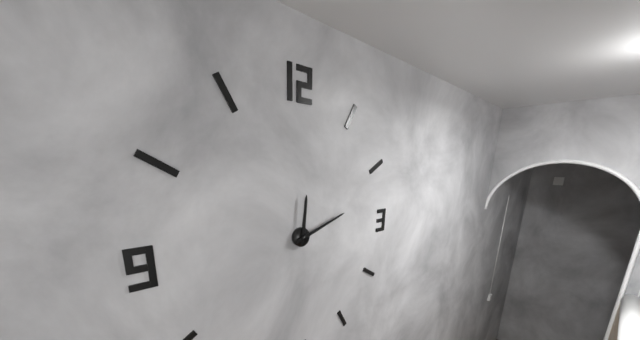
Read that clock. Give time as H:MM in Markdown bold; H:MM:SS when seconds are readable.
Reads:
**12:12**
